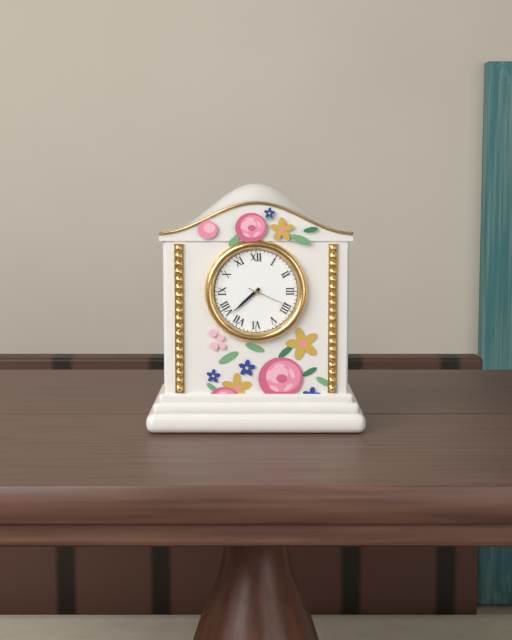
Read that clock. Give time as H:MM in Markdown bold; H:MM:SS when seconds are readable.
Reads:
**7:38**
